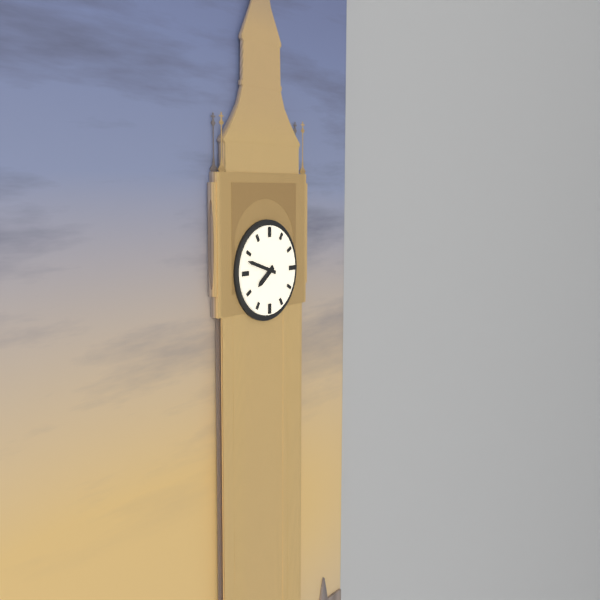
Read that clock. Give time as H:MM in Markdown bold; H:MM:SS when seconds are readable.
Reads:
**7:48**
